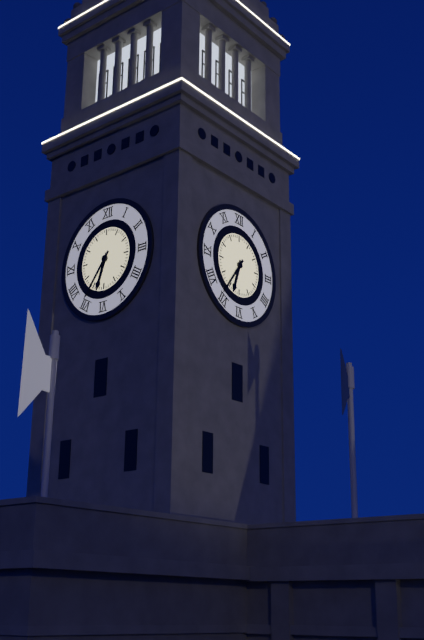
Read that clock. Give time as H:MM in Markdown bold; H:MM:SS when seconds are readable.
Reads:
**6:36**
